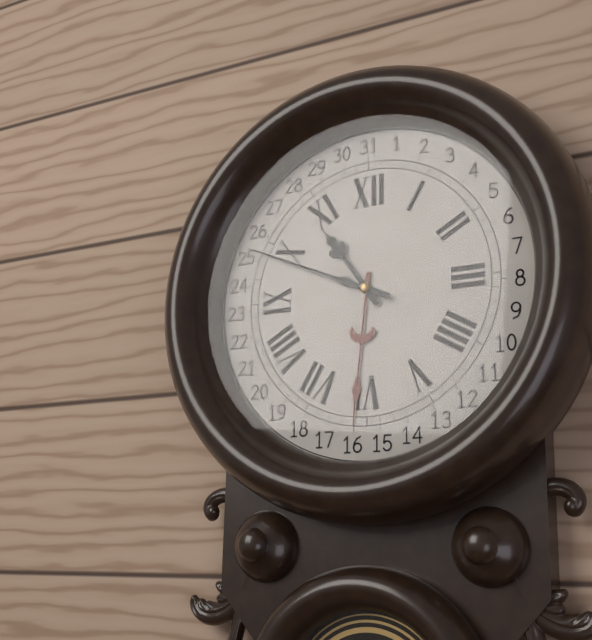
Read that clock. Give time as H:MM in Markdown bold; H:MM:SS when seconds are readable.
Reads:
**10:49**
